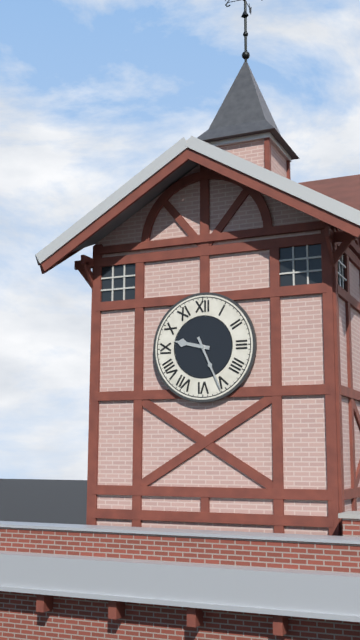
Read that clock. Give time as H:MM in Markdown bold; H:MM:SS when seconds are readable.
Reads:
**9:26**
